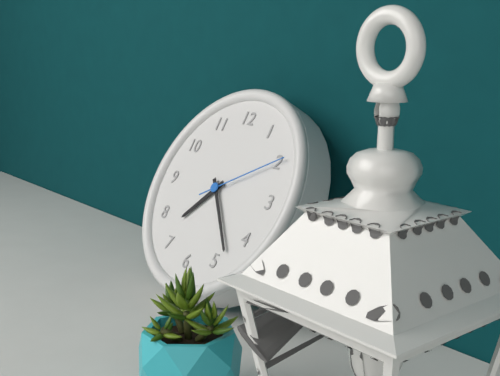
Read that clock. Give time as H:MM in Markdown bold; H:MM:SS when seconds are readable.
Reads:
**7:23:10**
